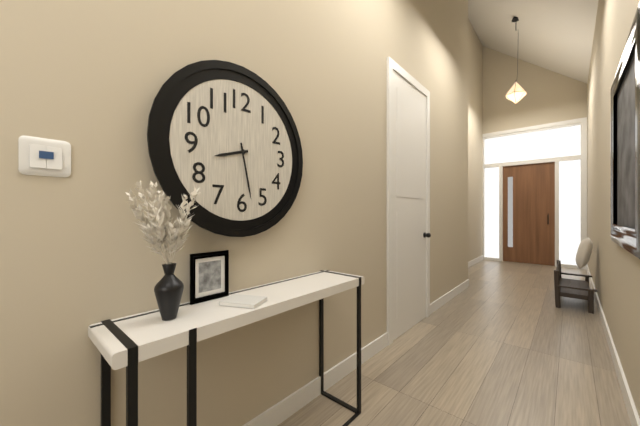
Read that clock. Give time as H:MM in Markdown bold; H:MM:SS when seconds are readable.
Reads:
**8:28**
